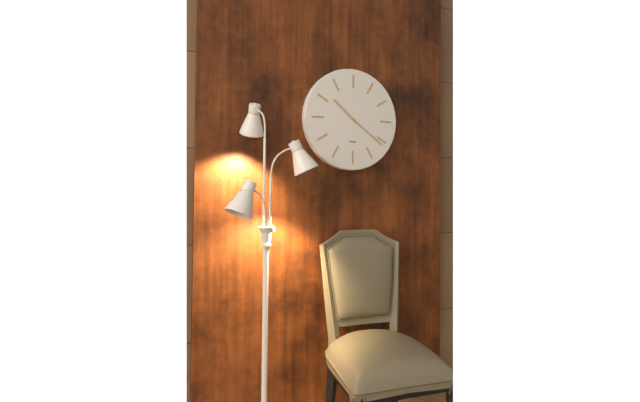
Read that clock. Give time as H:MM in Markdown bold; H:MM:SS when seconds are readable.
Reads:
**10:21**
